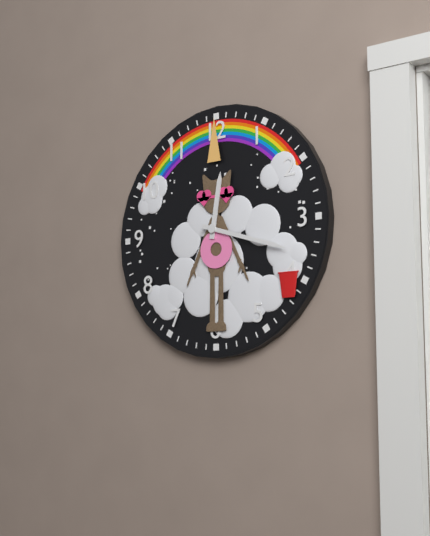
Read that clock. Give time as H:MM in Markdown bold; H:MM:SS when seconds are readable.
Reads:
**12:18**
